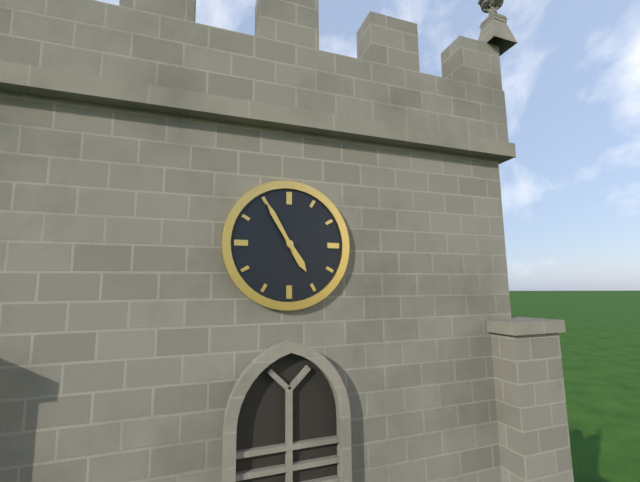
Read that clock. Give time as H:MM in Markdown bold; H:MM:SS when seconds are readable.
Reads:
**4:55**
